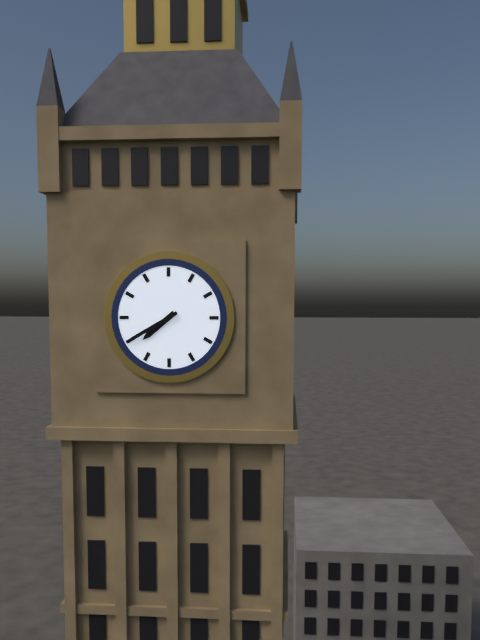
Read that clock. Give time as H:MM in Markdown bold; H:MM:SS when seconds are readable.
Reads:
**7:40**
